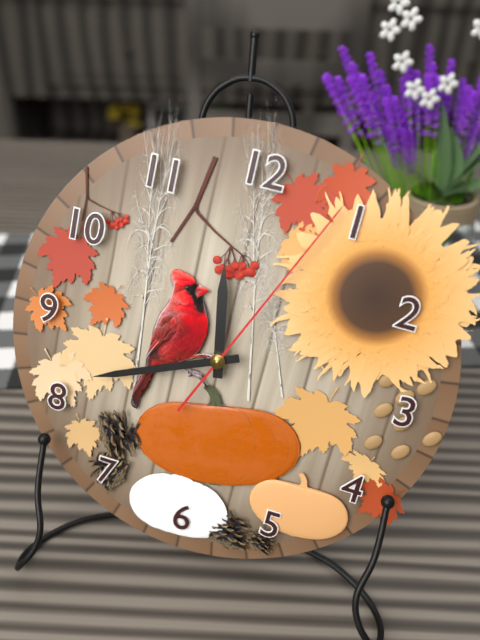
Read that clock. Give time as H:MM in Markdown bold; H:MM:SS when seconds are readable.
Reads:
**11:41:04**
